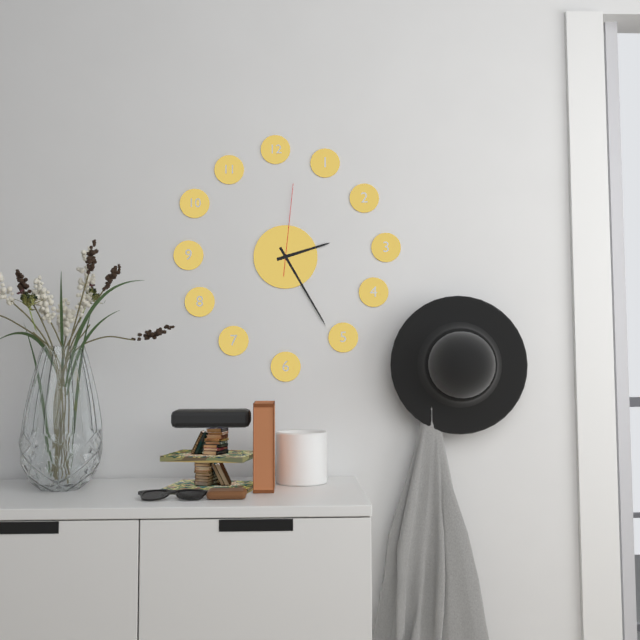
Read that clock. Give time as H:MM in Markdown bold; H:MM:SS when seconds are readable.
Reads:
**2:25:01**
